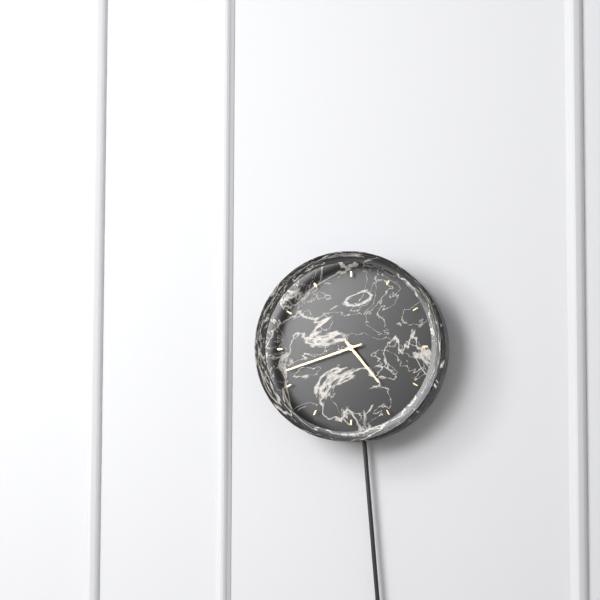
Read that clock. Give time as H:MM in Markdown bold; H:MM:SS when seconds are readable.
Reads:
**4:42**
